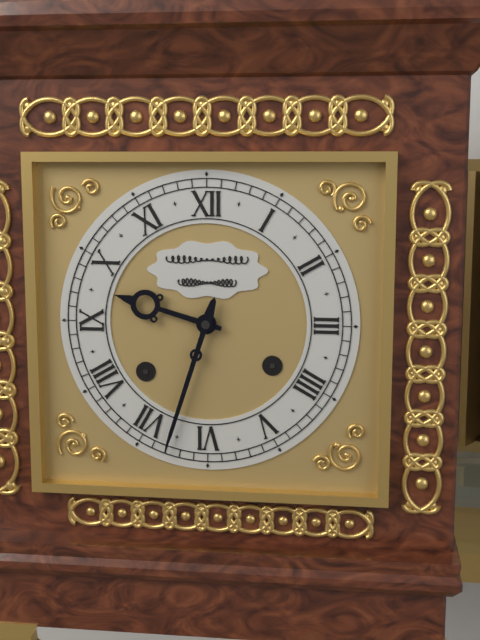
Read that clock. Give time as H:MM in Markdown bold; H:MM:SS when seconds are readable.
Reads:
**9:33**
